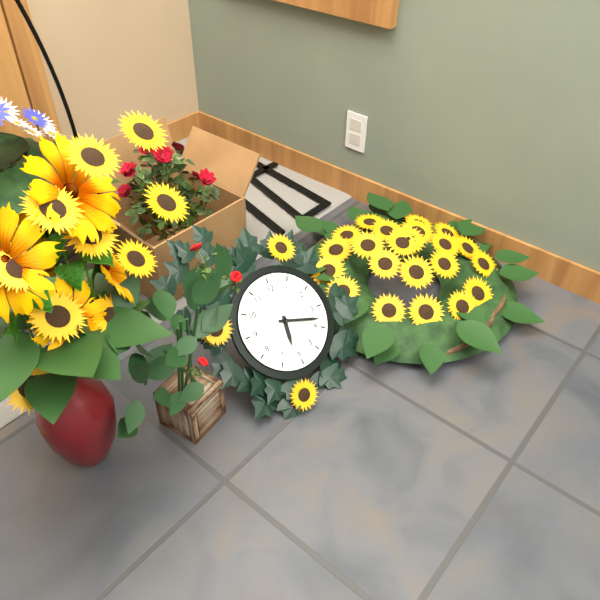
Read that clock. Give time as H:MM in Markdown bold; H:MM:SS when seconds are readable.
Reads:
**6:18**
